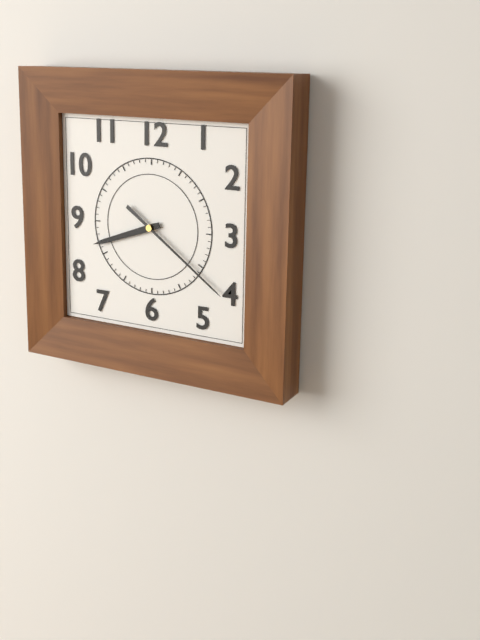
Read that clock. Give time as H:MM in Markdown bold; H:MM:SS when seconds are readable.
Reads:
**8:21**
